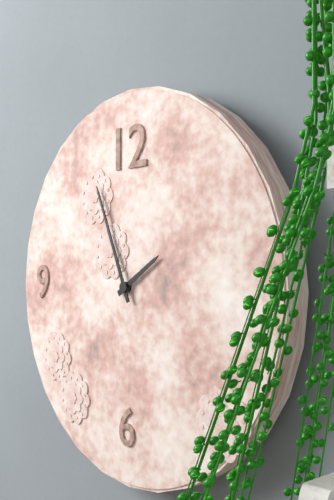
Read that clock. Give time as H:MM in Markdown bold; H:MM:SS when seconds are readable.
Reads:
**1:56**
